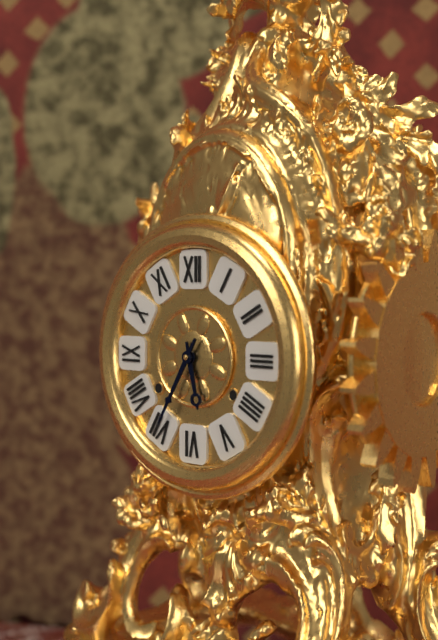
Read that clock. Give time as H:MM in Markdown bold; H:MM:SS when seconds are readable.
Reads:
**5:35**
